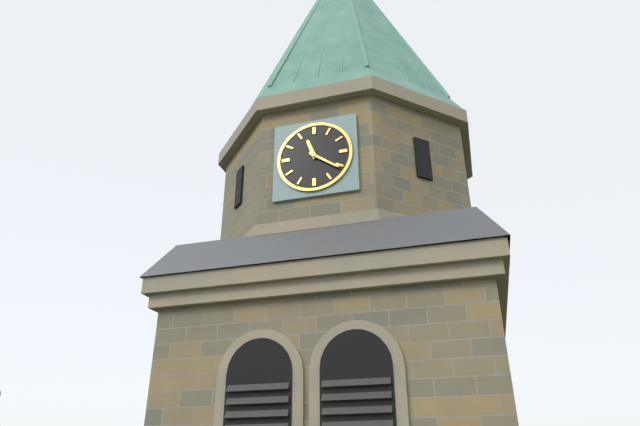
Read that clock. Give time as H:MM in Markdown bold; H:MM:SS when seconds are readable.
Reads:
**11:21**
